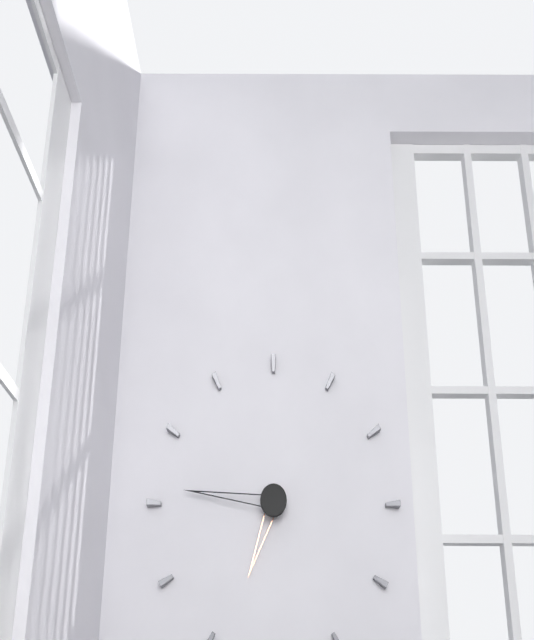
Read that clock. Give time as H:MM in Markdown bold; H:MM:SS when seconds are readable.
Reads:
**6:46**
